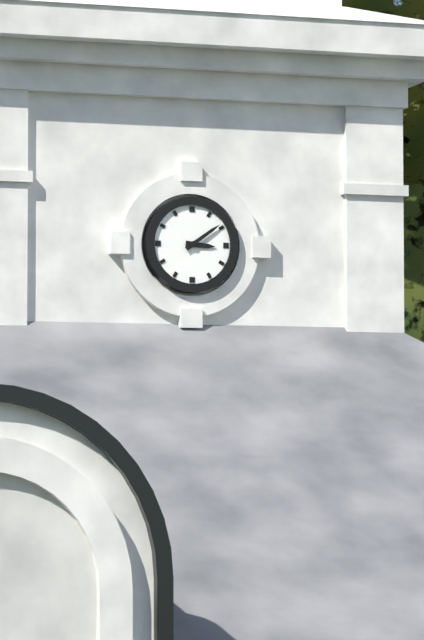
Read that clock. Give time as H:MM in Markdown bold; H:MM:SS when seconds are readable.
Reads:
**3:09**
